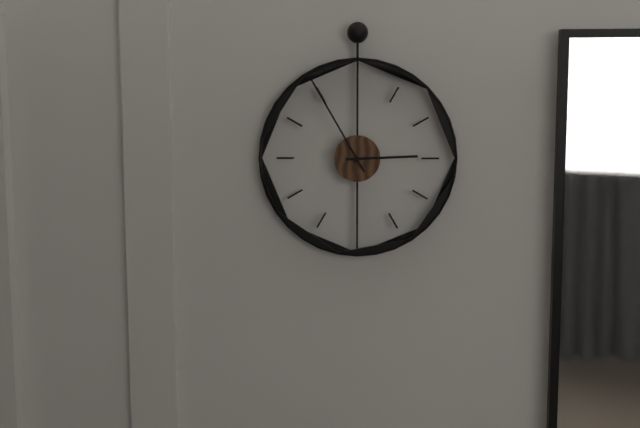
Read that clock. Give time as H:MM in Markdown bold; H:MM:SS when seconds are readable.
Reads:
**2:55**
